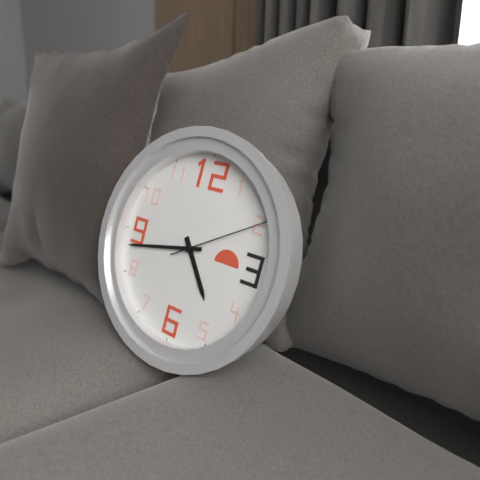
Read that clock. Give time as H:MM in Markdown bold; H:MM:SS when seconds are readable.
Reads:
**4:43:10**
